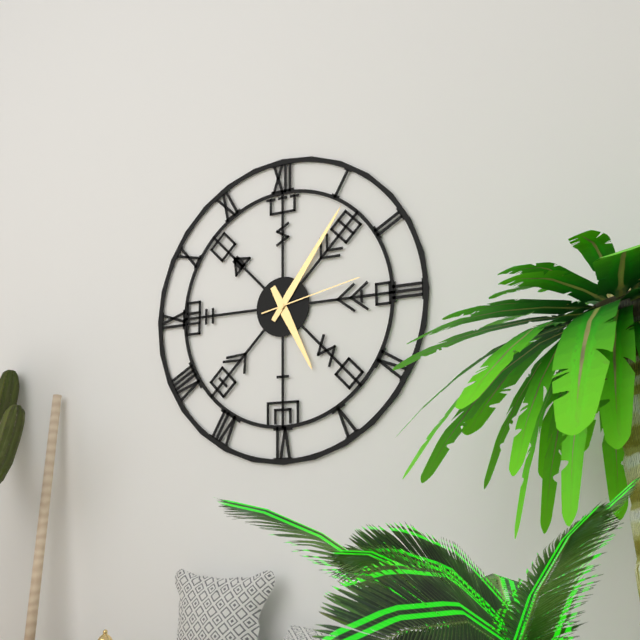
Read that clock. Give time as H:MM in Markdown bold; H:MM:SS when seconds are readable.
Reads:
**5:06:13**
